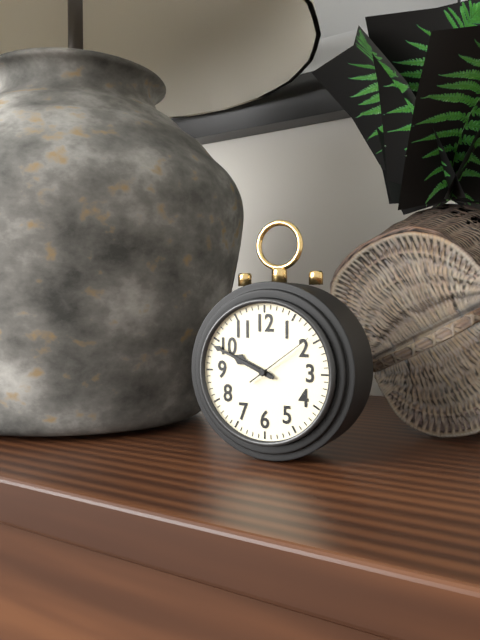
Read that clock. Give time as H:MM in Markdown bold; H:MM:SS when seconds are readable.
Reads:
**9:49:09**
